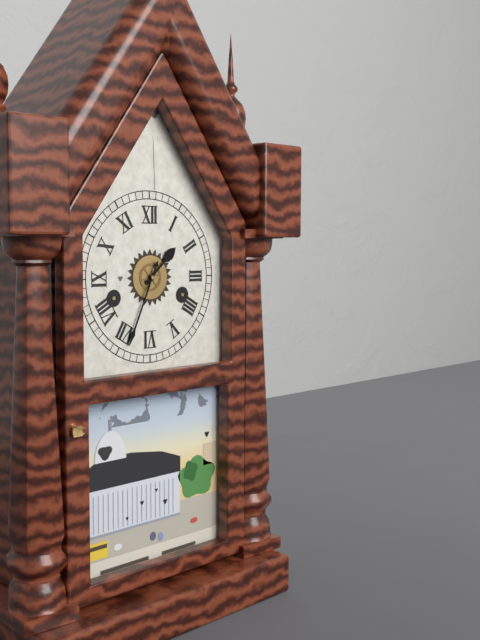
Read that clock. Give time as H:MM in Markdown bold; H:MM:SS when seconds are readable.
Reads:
**1:34**
